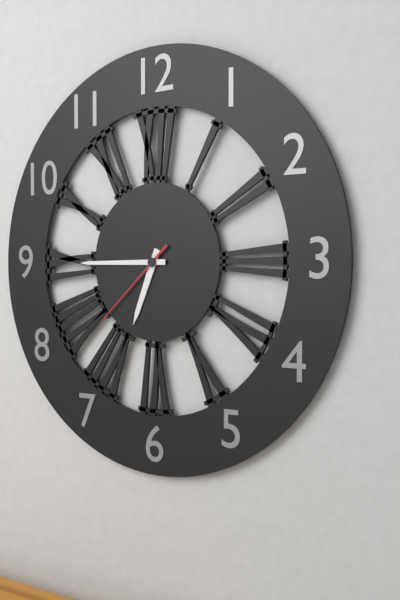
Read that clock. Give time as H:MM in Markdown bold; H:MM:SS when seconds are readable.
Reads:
**6:45:38**
